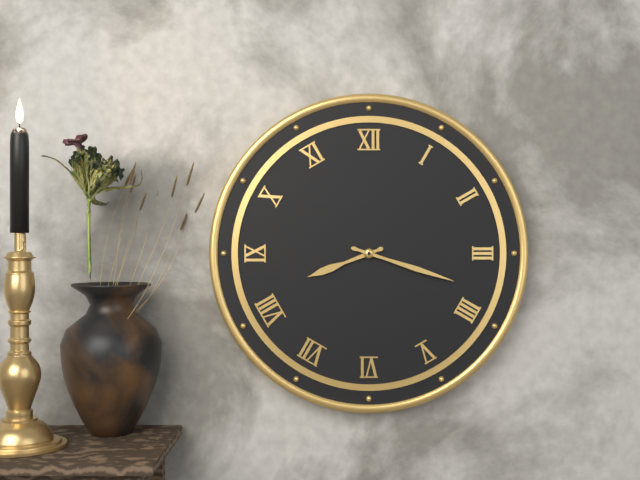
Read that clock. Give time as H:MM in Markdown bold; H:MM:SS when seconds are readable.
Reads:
**8:18**
